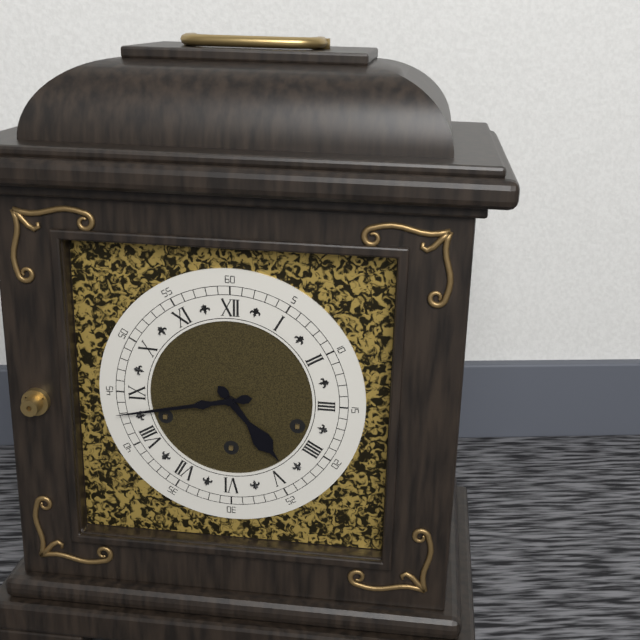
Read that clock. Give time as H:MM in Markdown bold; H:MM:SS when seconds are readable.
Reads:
**4:43**
